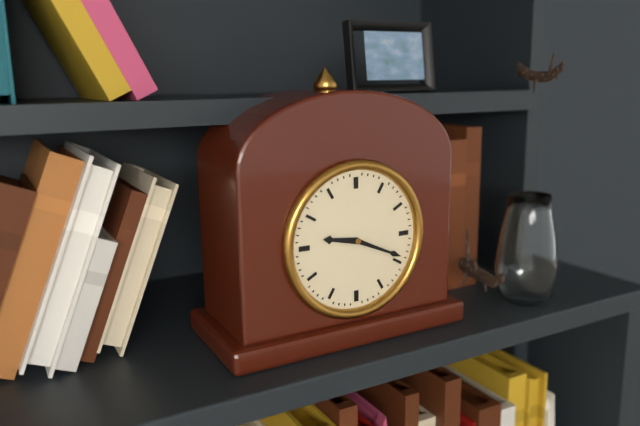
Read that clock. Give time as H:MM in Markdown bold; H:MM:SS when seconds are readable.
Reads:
**9:19**
